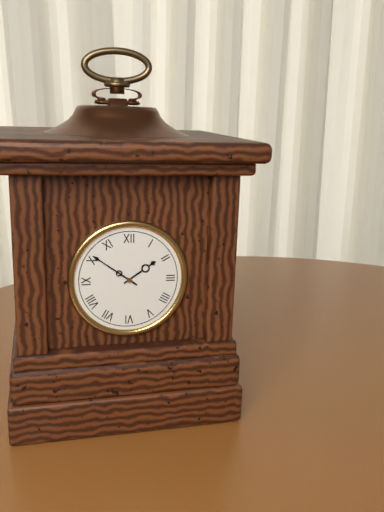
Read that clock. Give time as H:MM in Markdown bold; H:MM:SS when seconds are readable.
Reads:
**1:51**
